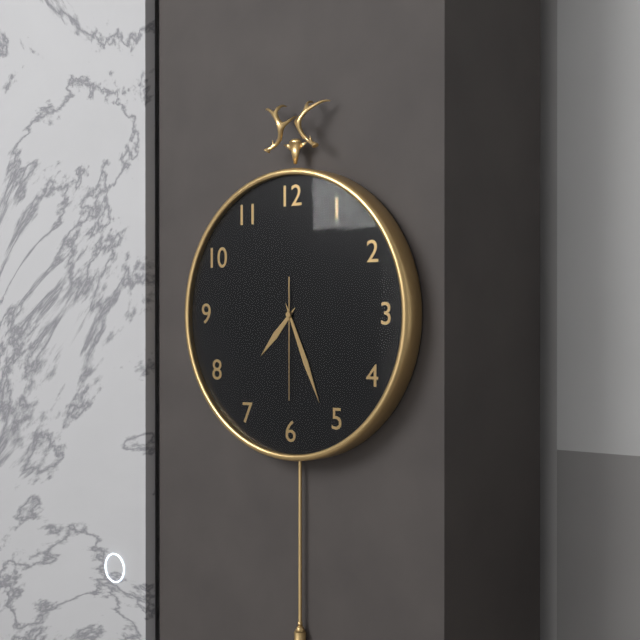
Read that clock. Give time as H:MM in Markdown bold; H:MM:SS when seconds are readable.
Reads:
**7:26:30**
